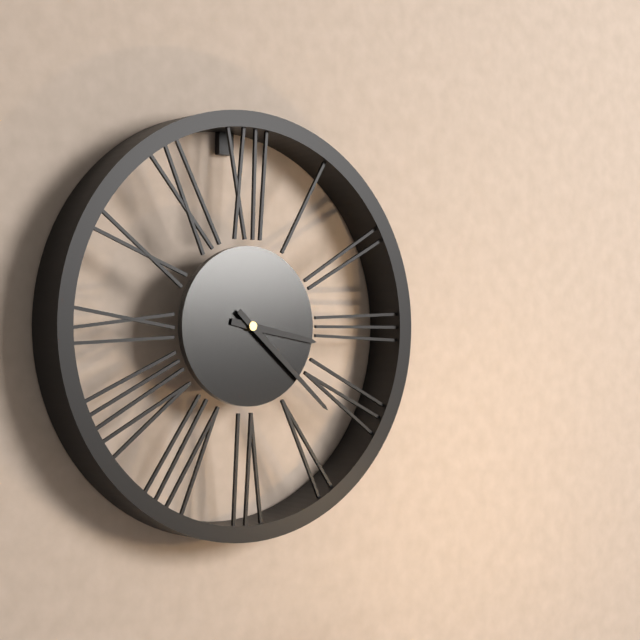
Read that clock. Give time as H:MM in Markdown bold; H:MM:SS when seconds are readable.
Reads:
**3:22**
